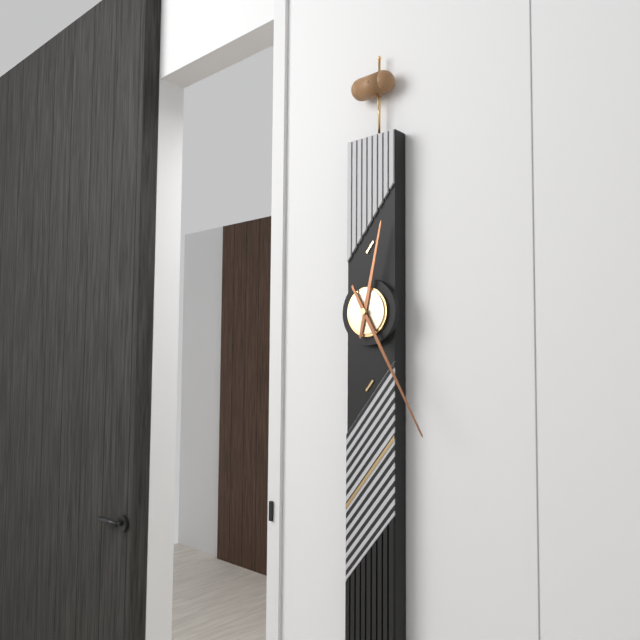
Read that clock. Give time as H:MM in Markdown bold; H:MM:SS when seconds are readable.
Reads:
**12:25**
